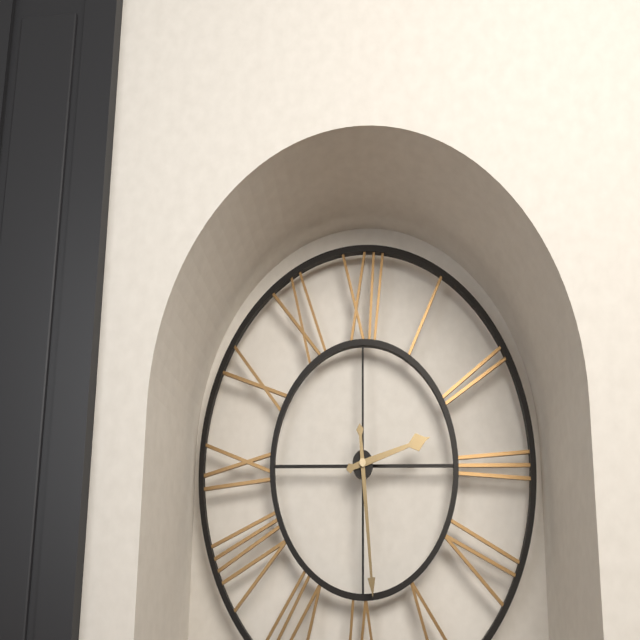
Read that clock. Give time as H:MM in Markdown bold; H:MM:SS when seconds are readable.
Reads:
**2:29**
